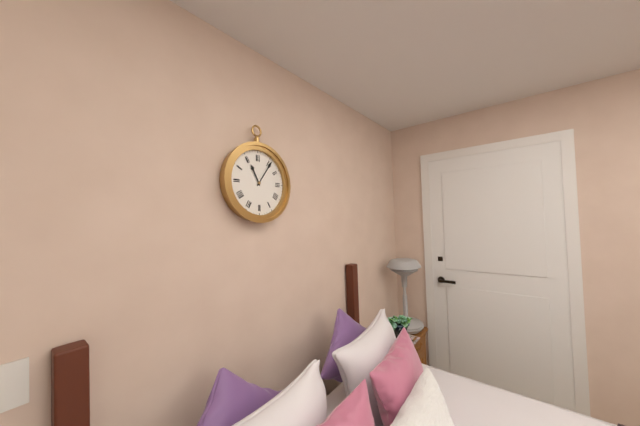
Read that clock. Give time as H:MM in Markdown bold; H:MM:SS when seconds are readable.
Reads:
**11:06**
